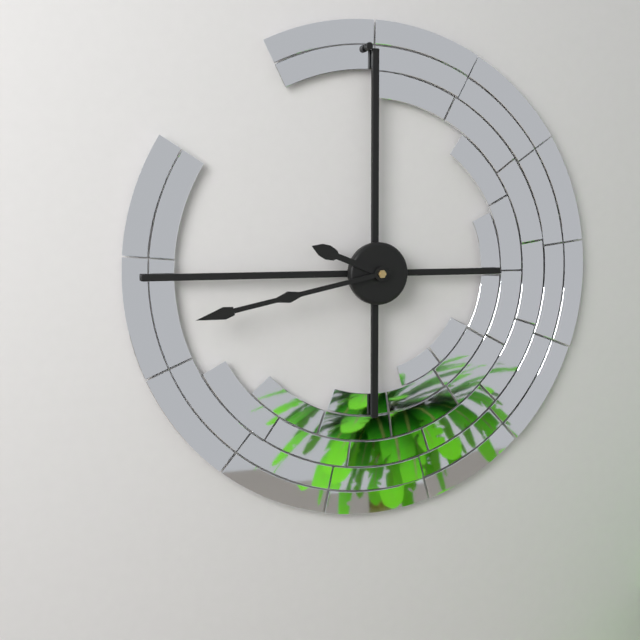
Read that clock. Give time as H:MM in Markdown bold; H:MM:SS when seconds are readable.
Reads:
**9:43**
